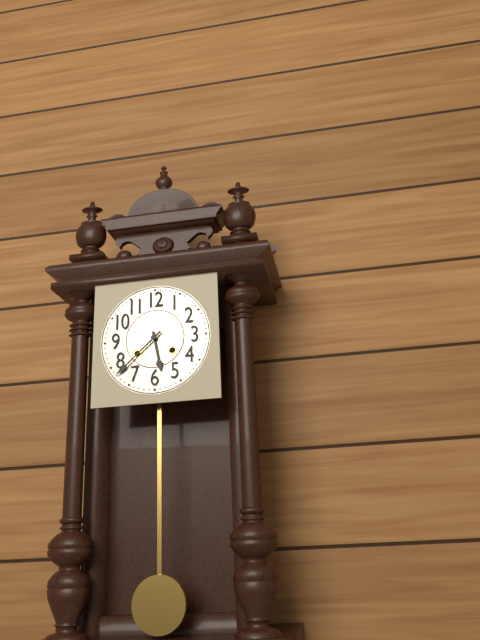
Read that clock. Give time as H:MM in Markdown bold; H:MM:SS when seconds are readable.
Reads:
**5:38**
